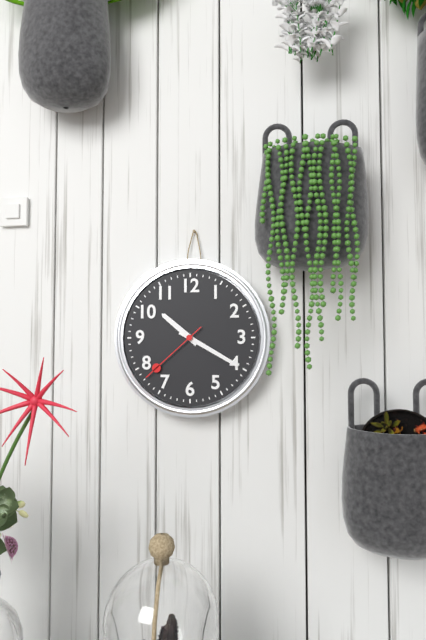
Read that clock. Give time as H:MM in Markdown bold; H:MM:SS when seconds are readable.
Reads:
**10:20:38**
